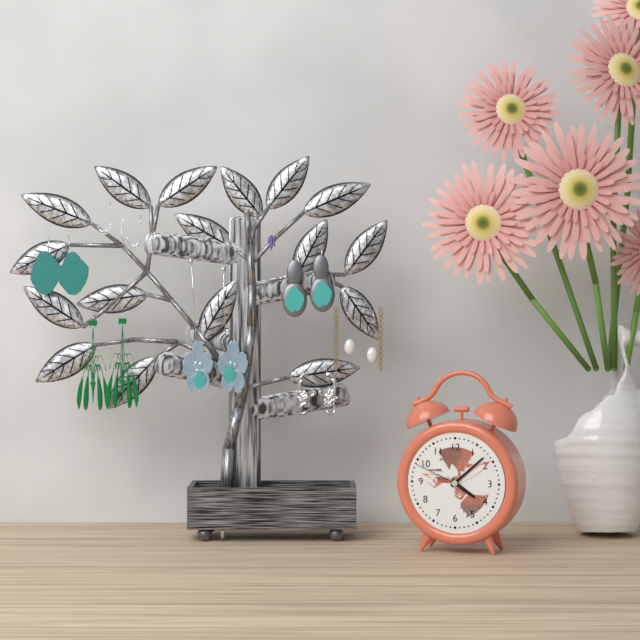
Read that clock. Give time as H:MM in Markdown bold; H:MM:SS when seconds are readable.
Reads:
**4:08:49**
